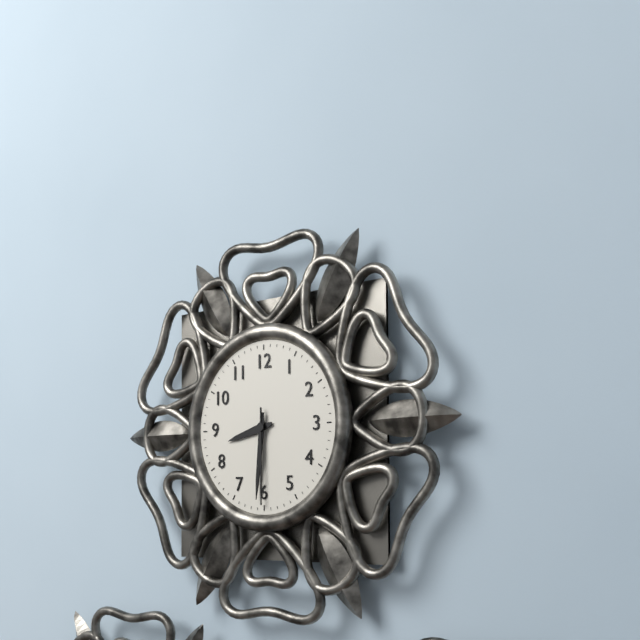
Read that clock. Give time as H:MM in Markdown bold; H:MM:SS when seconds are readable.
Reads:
**8:31:30**
